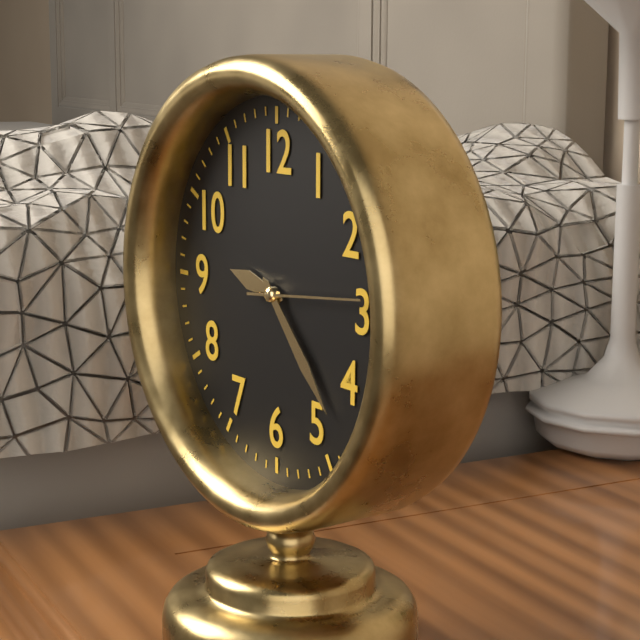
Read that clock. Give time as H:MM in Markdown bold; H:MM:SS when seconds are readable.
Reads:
**9:23:14**
